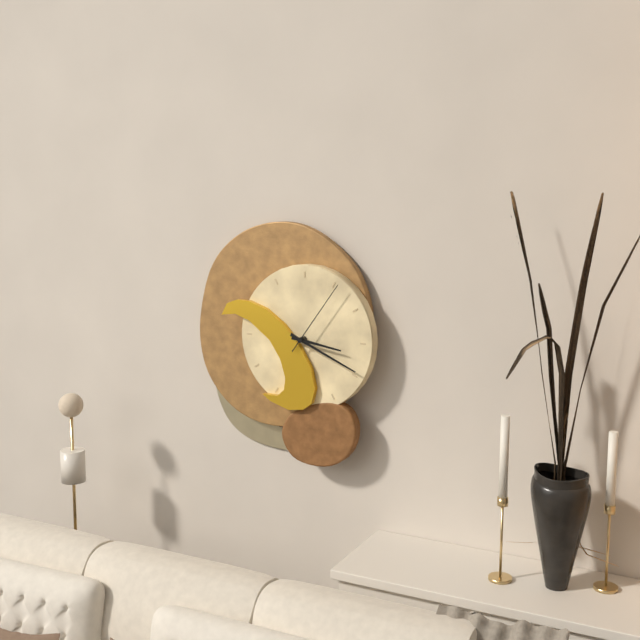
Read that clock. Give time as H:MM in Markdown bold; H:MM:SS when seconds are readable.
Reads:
**3:19:06**
